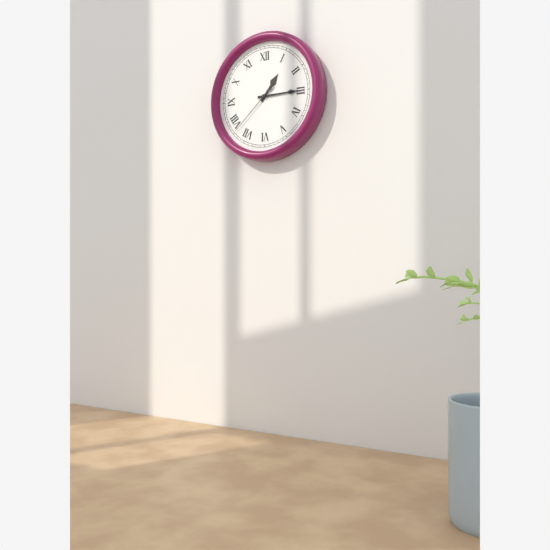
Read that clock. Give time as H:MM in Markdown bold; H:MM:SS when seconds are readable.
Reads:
**1:15:38**
